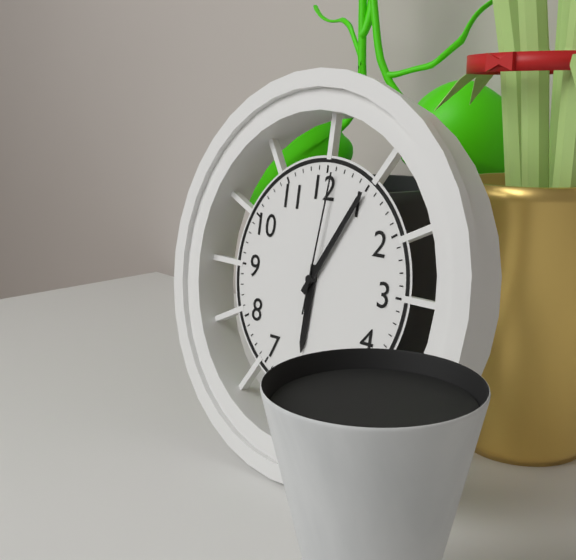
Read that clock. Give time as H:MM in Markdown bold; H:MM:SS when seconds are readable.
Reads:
**6:05:01**
